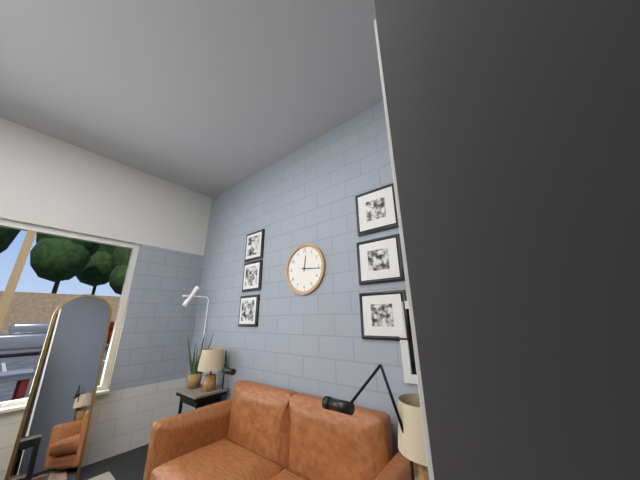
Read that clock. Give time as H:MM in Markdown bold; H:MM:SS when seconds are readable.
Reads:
**12:16**
